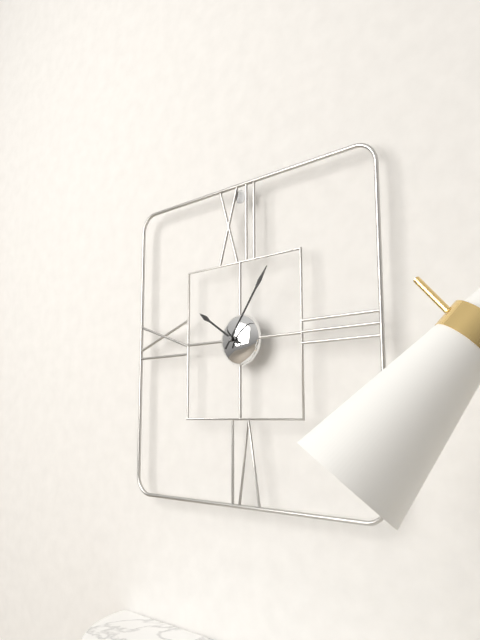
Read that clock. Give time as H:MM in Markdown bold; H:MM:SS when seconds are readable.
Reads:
**10:06**
